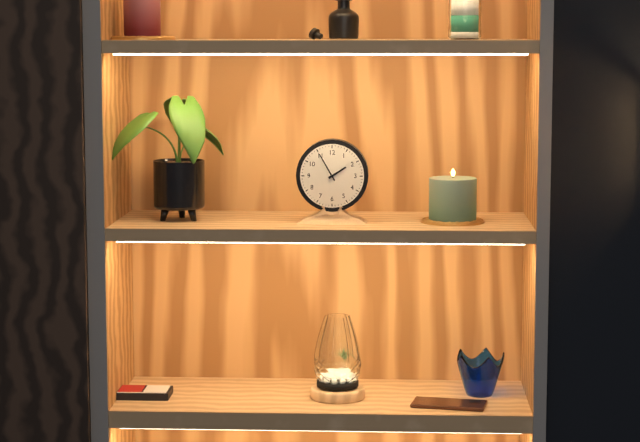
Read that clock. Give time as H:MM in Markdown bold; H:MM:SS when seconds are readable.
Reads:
**1:55**
